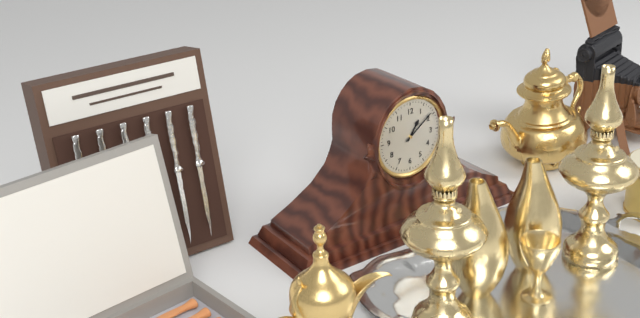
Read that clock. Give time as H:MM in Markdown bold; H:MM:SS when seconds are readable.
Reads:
**1:09**
